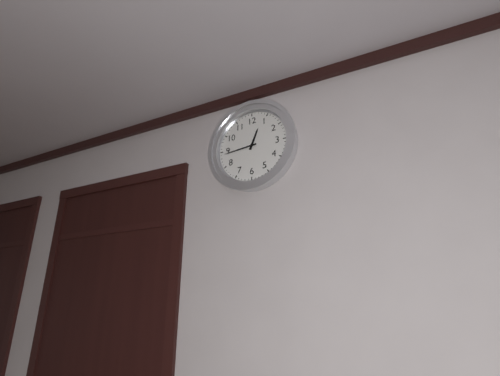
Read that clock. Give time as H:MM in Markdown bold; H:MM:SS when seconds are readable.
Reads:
**12:44**
